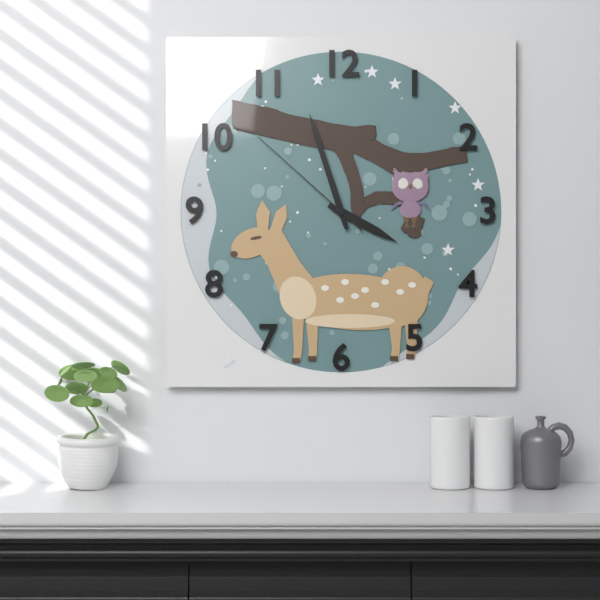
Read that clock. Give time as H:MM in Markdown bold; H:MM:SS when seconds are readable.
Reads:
**3:57:52**
